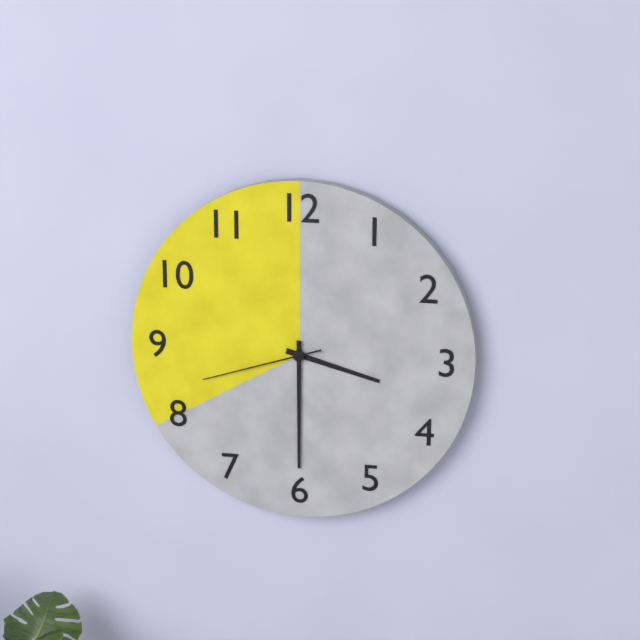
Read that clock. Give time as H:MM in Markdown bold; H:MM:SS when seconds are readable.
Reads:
**3:30:42**
